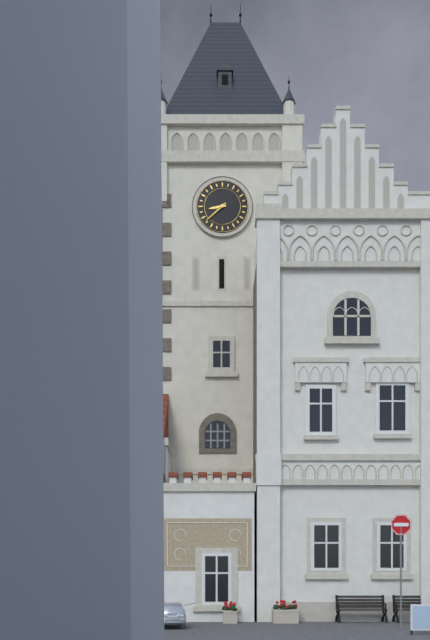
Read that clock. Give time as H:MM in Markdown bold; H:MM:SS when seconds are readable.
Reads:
**8:38**
